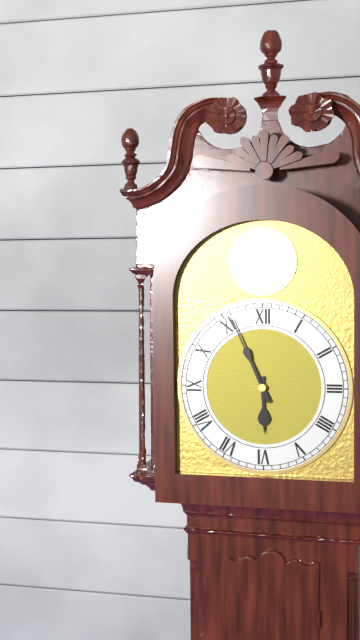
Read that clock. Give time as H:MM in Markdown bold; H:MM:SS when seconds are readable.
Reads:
**5:56**
